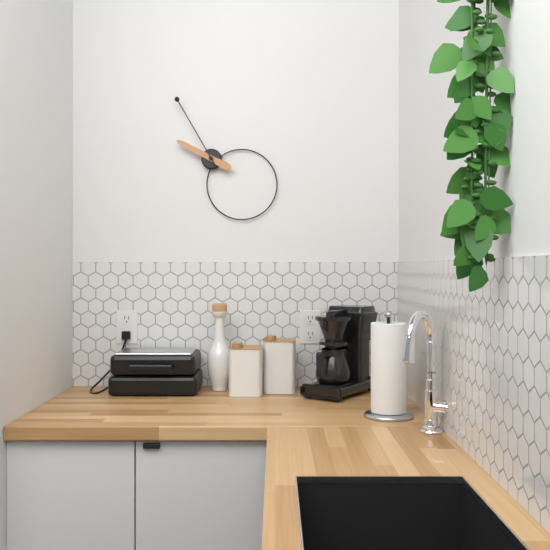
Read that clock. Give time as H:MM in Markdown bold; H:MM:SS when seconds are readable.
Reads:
**9:55**
